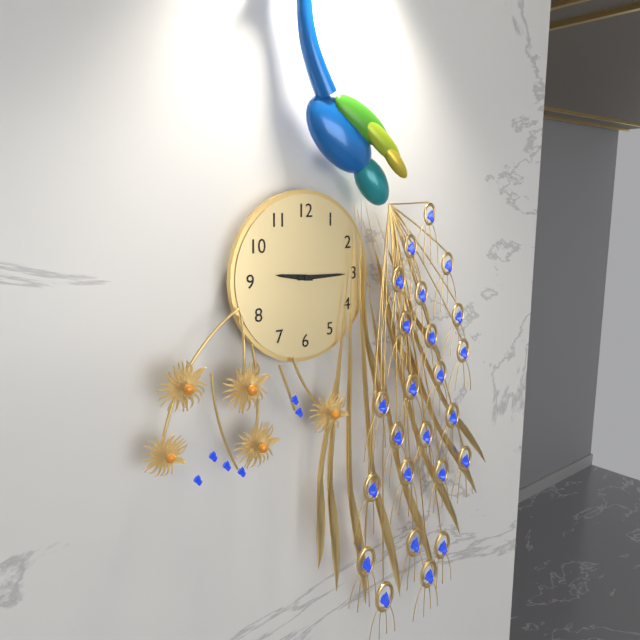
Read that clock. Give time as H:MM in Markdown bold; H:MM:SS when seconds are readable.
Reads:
**9:15**
